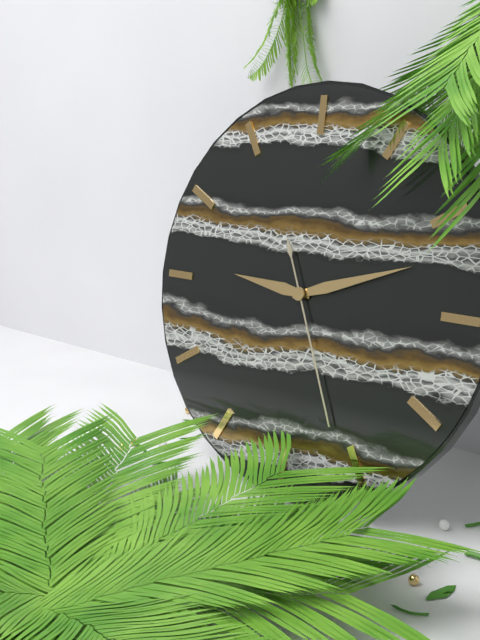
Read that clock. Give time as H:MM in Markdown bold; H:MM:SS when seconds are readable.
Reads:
**9:12:26**
